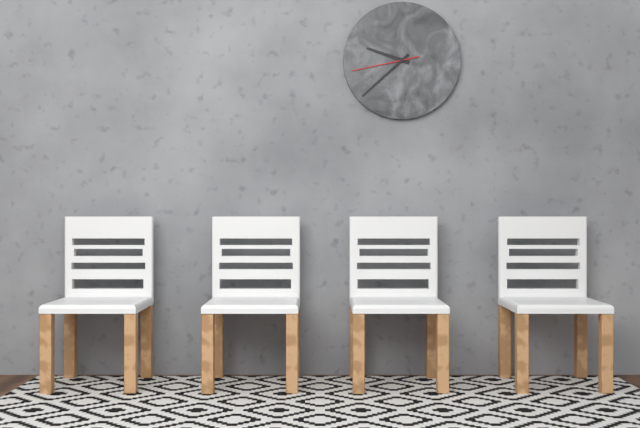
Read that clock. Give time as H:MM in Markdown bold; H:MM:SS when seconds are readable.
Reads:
**9:38:43**
